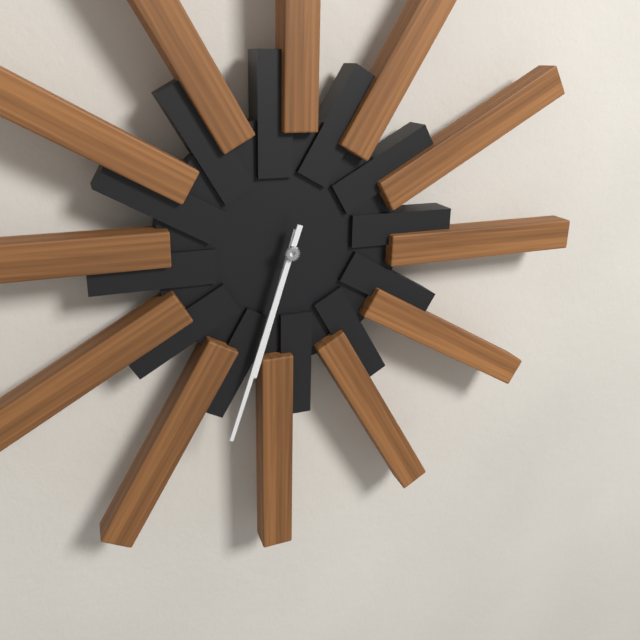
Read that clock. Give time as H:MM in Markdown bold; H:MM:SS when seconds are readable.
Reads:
**6:33**
